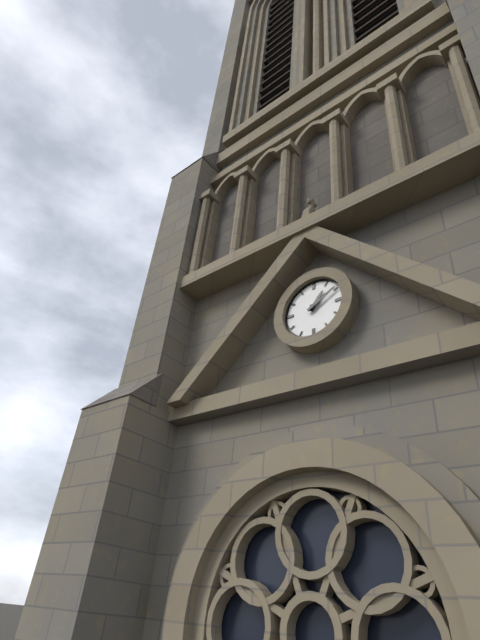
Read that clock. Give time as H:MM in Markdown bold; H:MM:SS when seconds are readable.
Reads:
**1:10**
